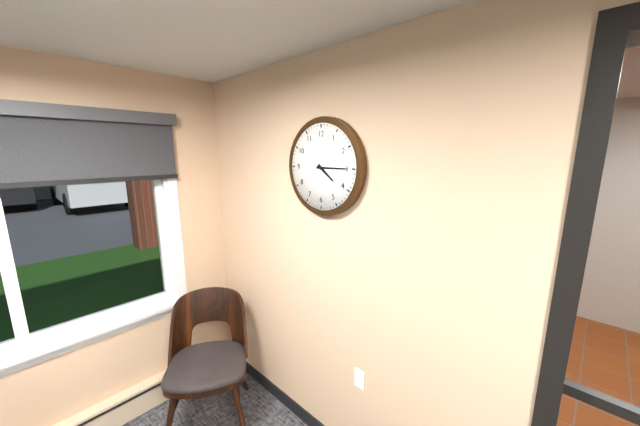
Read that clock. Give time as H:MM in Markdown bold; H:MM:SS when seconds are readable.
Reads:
**4:15**
